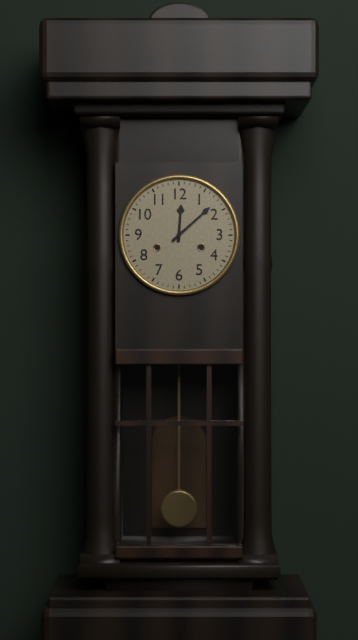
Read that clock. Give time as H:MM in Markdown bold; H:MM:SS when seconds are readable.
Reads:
**12:08**
